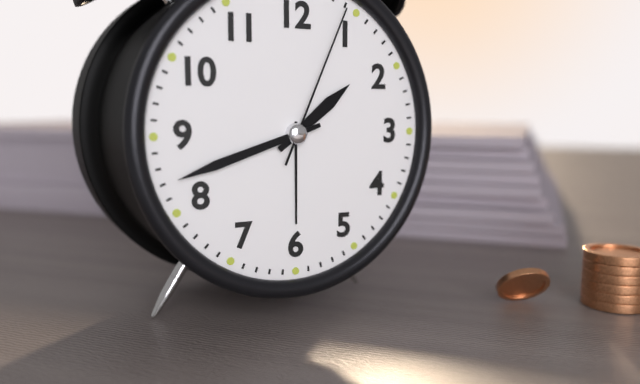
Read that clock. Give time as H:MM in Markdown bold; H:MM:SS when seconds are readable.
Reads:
**1:42:04**
